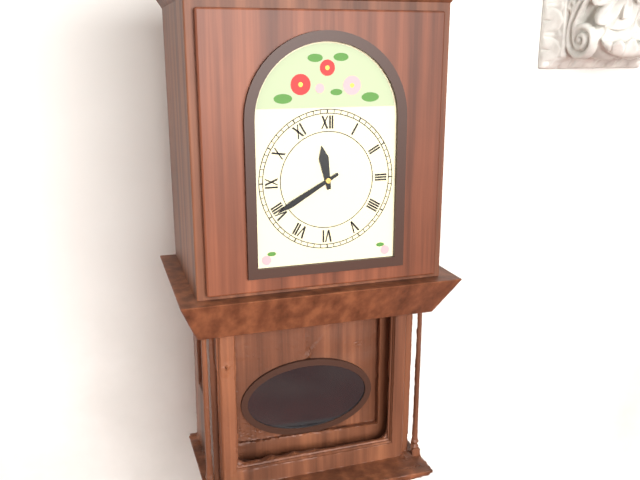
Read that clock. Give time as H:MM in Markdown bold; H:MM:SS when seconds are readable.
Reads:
**11:40**
